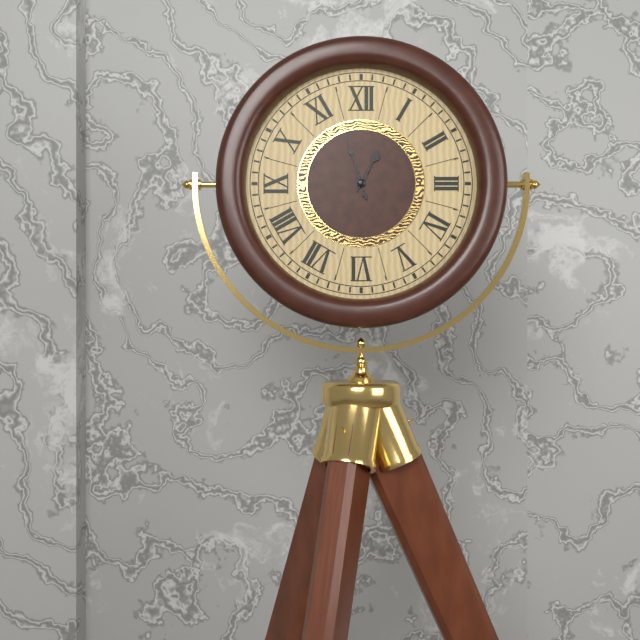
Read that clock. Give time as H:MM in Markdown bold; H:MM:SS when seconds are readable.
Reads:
**12:57**
